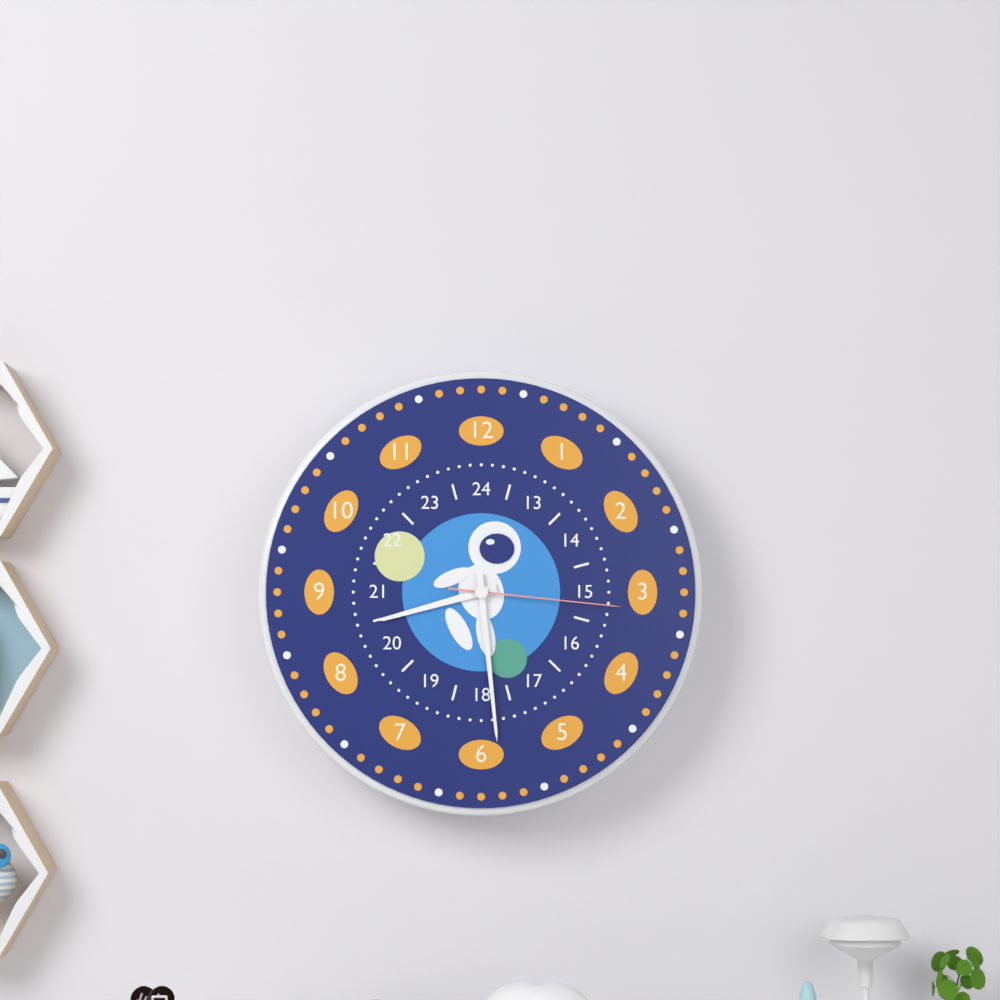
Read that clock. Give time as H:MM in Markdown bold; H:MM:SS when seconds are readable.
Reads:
**8:29:16**
